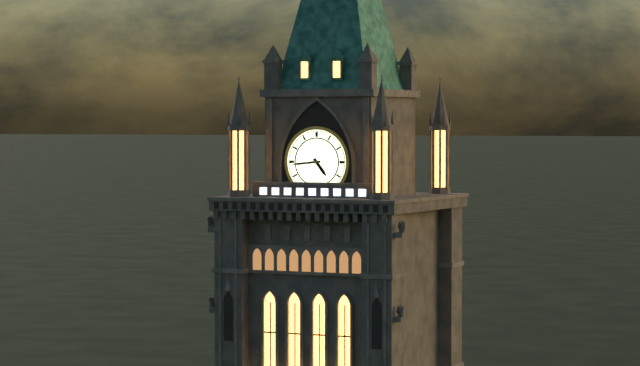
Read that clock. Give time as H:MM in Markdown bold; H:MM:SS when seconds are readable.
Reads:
**4:44**
